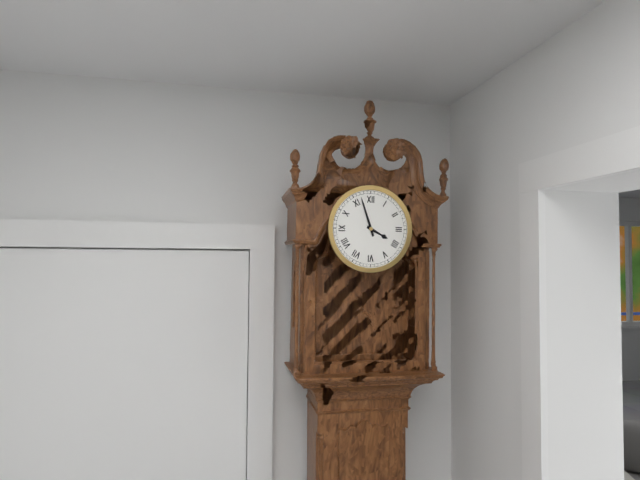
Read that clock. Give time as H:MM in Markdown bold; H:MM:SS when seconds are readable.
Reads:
**3:57**
